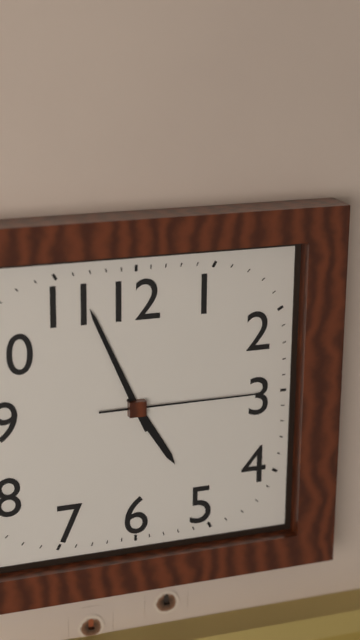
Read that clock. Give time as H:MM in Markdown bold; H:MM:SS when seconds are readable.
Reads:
**4:56:15**
